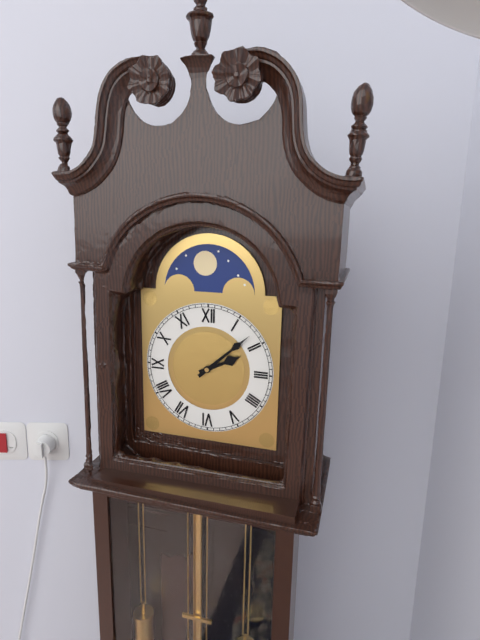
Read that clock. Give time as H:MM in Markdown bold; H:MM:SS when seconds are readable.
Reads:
**2:08**
